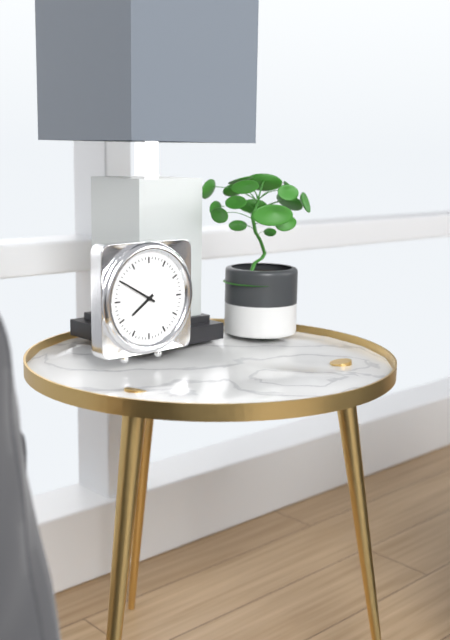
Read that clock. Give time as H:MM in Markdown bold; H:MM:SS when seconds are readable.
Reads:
**7:50**
